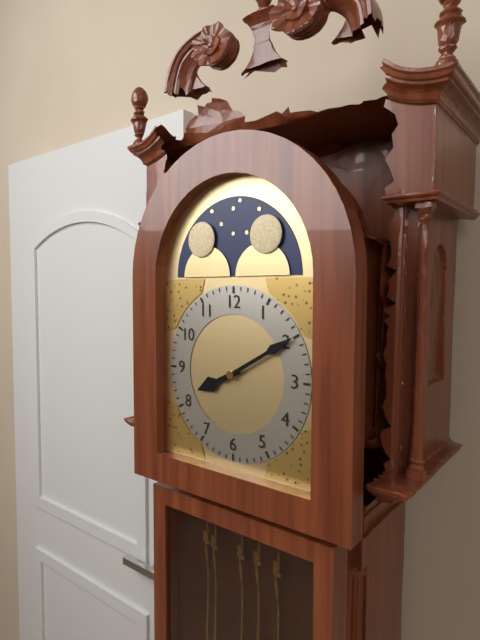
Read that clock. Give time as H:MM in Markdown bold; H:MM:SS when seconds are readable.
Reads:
**8:10**
